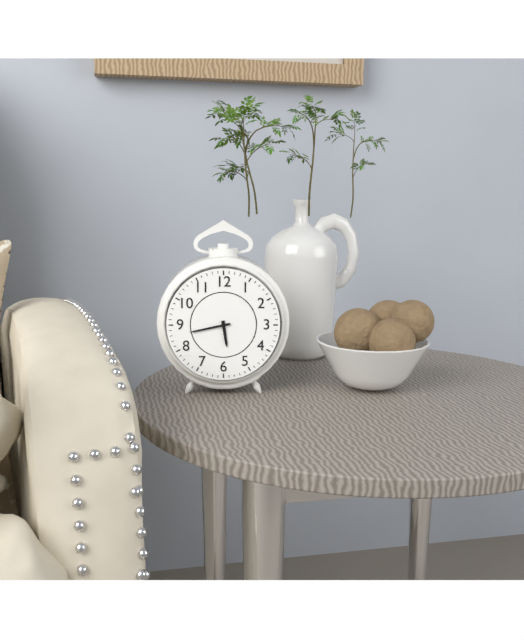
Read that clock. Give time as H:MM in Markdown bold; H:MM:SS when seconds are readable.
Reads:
**5:43**
